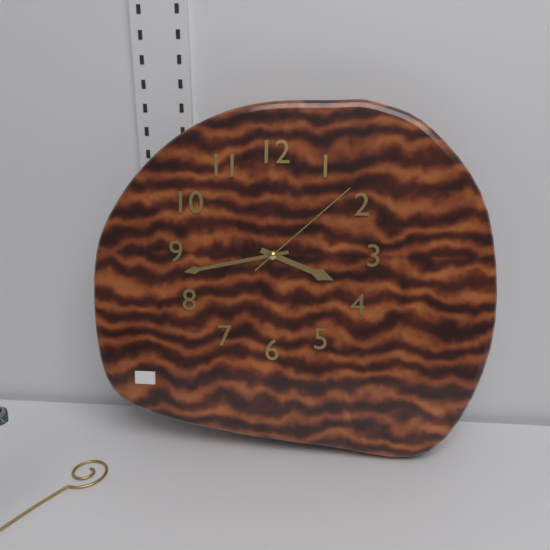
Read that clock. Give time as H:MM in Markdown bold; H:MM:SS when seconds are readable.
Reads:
**3:43:08**
